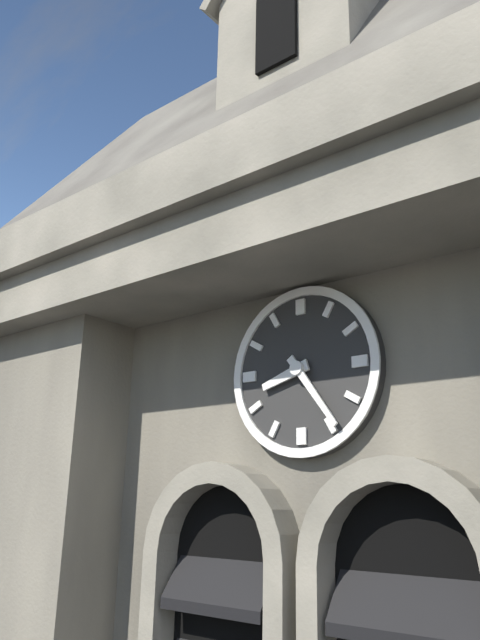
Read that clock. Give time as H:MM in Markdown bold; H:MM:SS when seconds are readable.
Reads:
**8:24**
